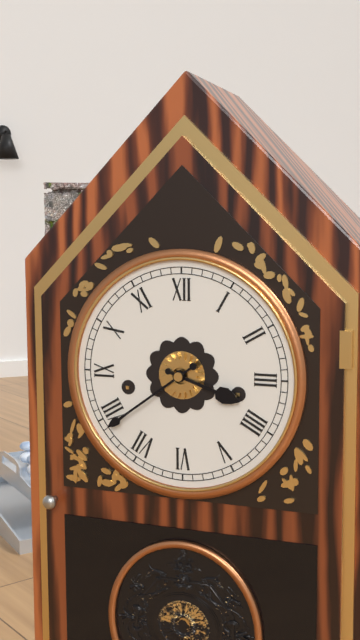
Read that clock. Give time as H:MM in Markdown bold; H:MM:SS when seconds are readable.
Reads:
**3:39**
